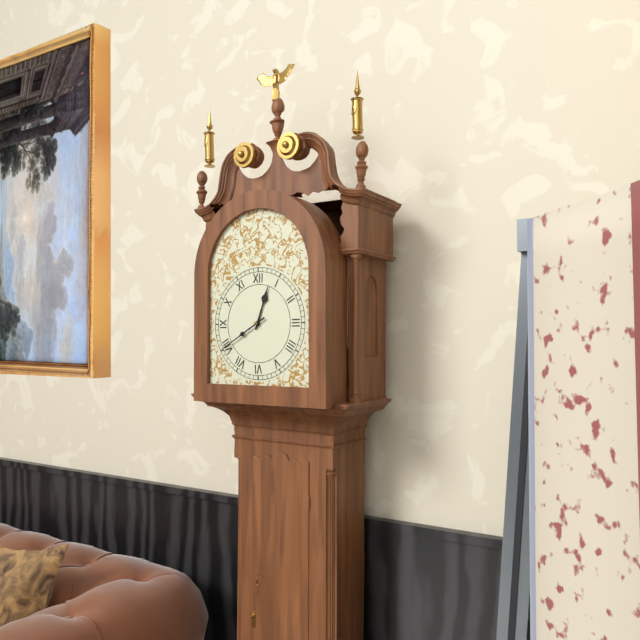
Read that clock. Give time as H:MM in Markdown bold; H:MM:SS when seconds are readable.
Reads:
**12:40**
